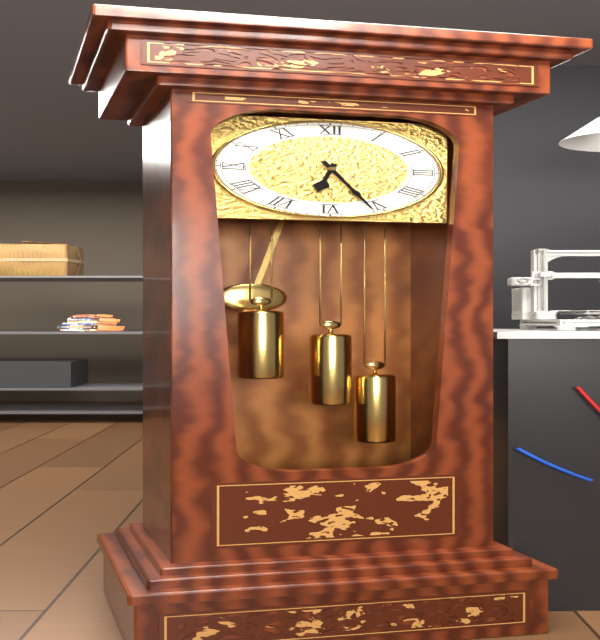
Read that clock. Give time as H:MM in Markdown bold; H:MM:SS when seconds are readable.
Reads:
**6:26**
